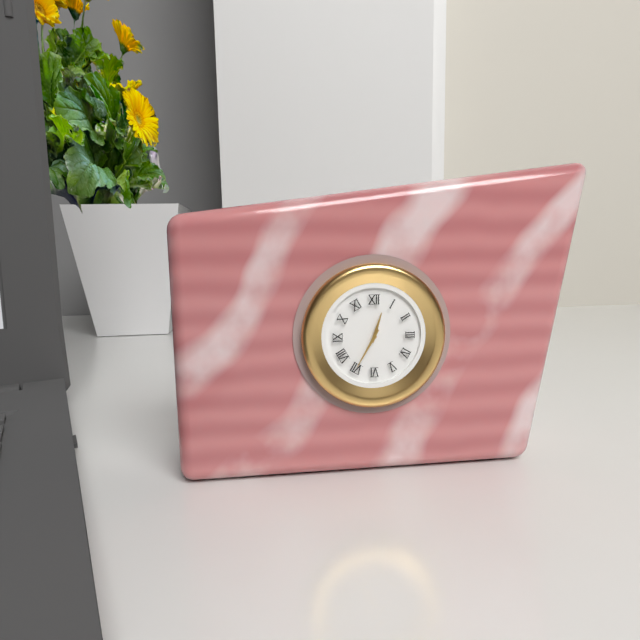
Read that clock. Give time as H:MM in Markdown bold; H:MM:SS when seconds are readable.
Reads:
**12:35**
